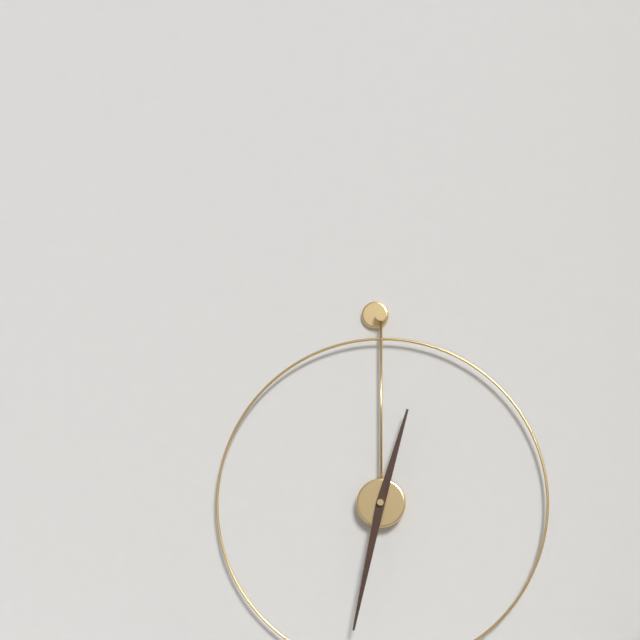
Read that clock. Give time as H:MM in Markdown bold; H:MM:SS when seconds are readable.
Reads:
**12:32**
